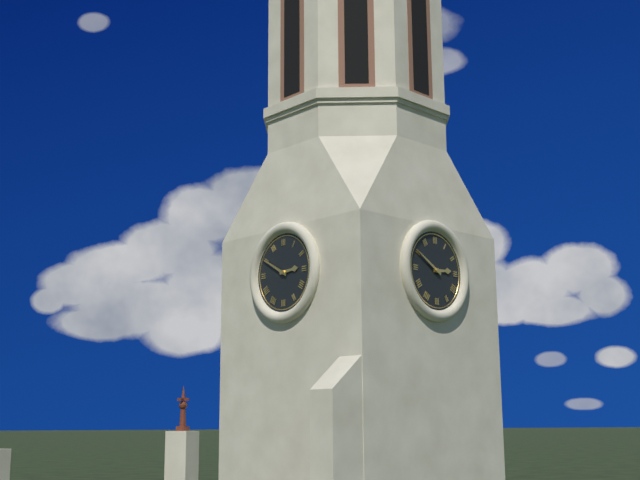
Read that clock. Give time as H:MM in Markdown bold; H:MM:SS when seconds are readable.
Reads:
**2:50**
